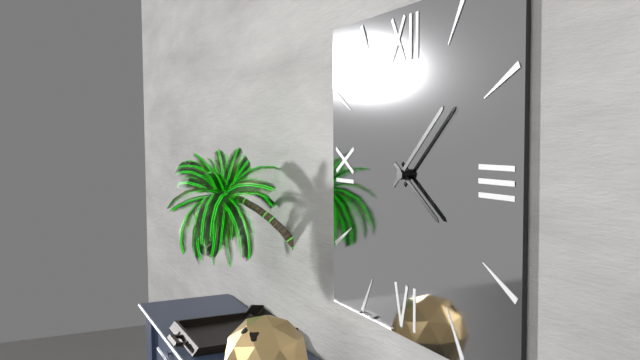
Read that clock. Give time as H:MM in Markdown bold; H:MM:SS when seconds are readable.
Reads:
**4:08**
